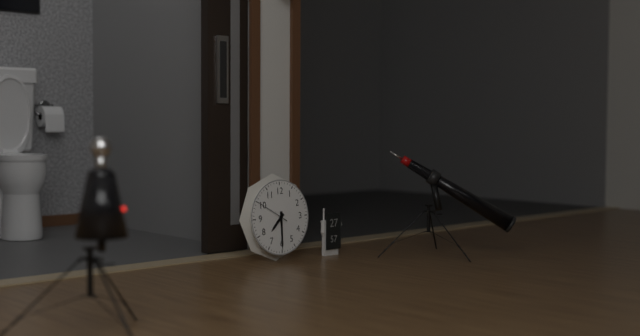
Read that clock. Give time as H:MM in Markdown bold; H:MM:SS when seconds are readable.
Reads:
**7:30**
